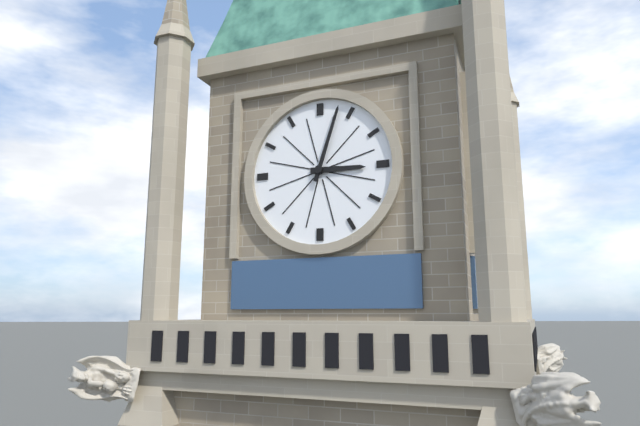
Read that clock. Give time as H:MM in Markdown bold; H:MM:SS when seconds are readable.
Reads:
**3:03**
